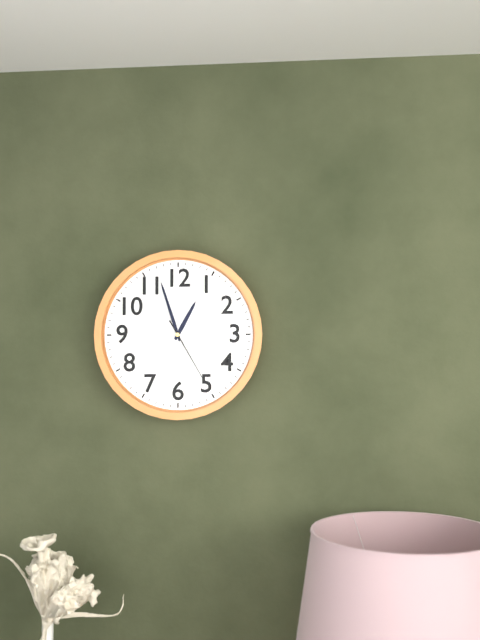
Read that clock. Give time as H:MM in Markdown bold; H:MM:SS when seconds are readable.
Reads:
**12:57:25**
